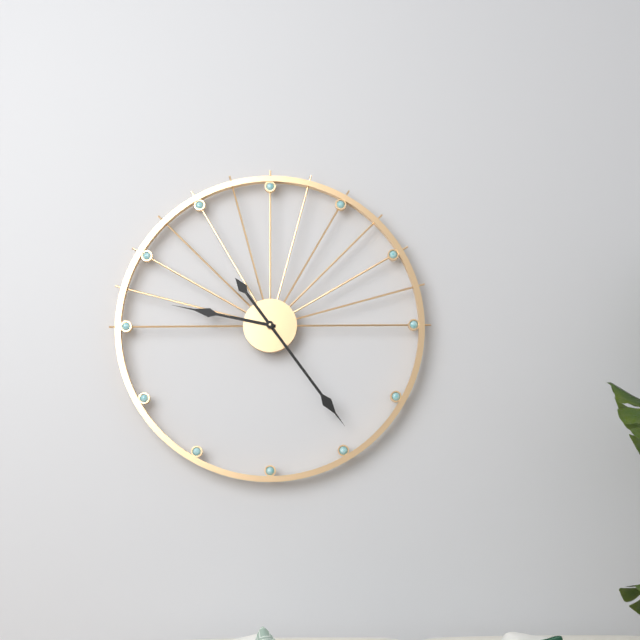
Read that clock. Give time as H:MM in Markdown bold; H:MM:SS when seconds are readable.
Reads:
**9:24**
